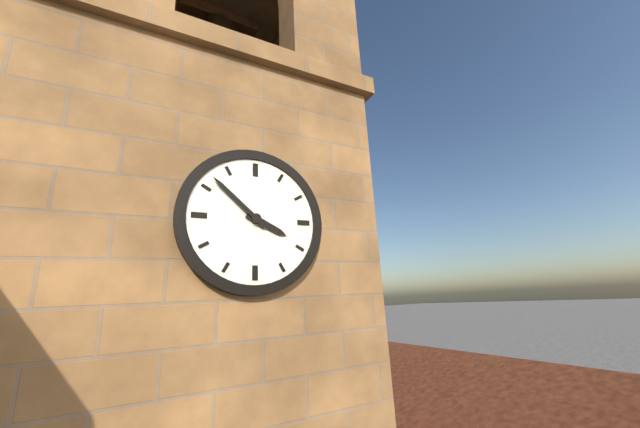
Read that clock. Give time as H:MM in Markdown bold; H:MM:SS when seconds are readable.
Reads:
**3:52**
